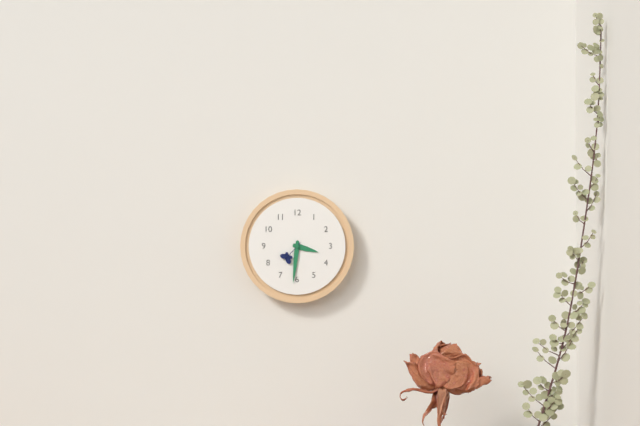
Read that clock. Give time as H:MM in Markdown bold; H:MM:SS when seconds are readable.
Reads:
**3:31**
